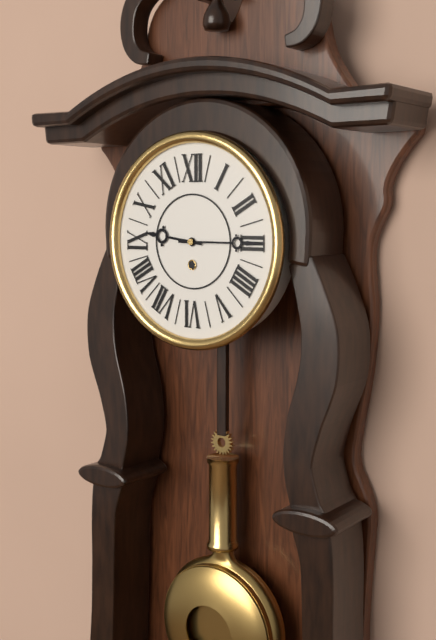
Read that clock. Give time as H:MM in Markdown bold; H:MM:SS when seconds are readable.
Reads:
**9:15**
